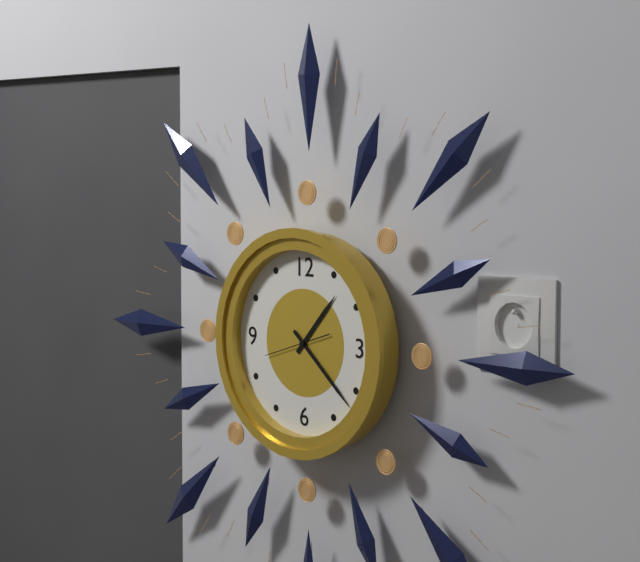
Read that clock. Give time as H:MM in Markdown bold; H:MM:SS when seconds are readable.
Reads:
**1:22:42**
